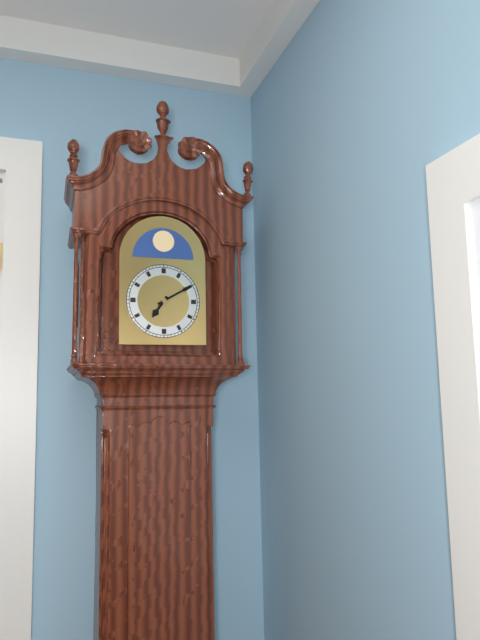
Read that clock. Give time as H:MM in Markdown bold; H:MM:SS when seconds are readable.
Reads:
**7:10**
